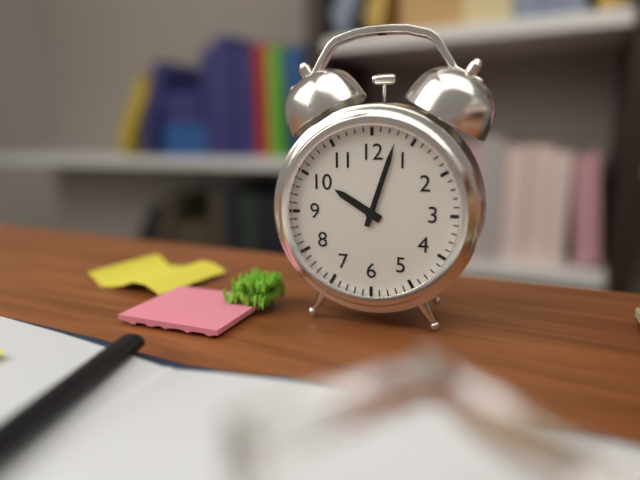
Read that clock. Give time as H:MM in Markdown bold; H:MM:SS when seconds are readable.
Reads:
**10:03**
